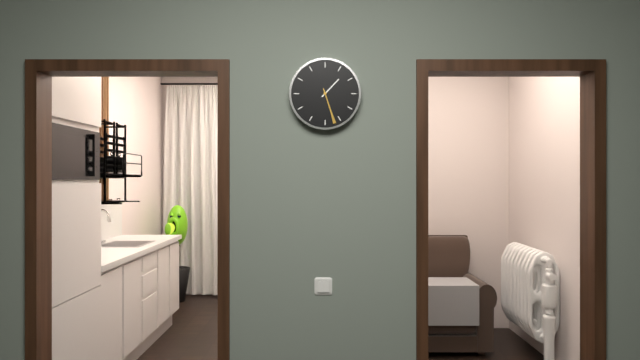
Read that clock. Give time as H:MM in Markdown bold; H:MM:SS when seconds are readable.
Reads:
**1:27**
